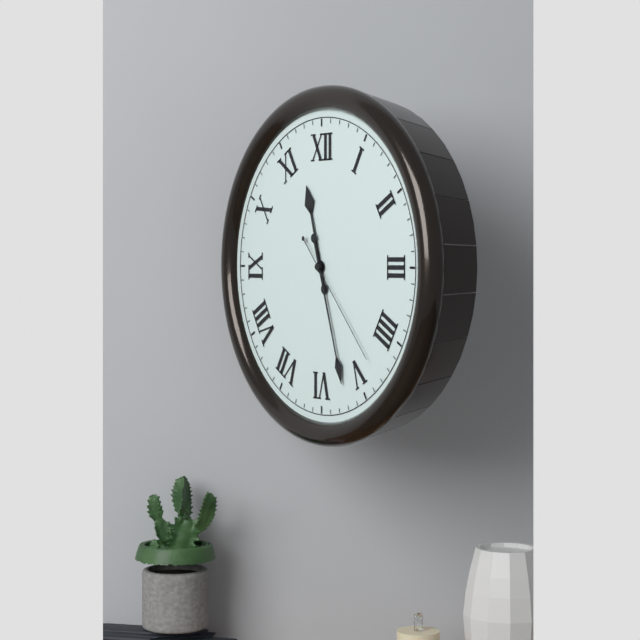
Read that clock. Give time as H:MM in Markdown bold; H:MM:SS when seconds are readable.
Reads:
**11:27:23**
